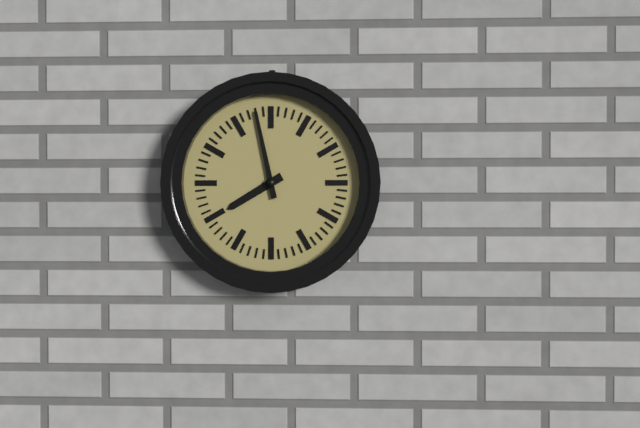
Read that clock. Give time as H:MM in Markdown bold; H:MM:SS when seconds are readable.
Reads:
**7:58**
